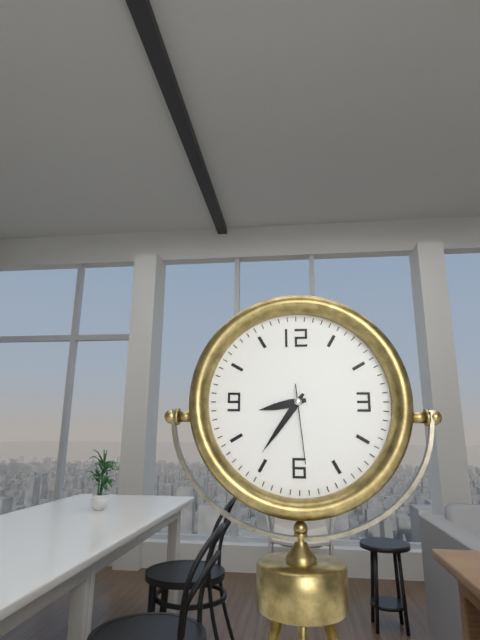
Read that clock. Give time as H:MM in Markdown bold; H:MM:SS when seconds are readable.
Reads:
**8:36:29**
